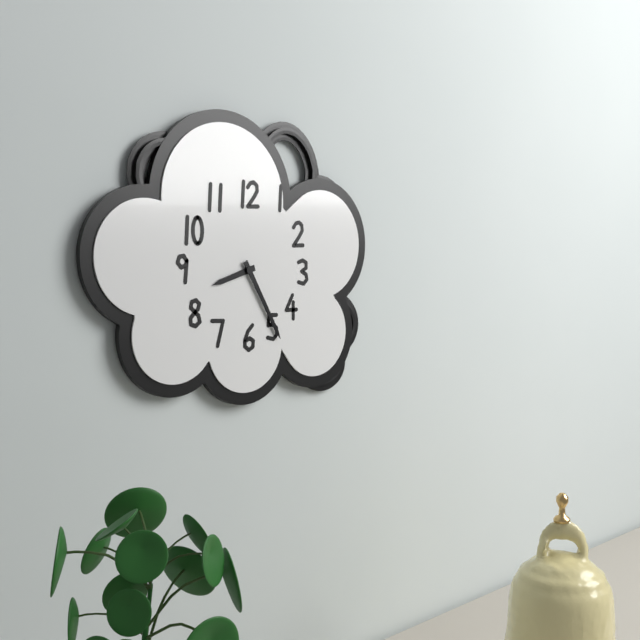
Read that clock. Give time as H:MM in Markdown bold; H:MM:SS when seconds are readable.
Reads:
**8:25**
